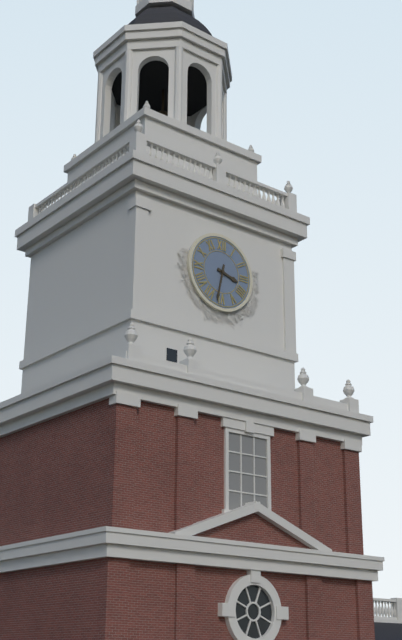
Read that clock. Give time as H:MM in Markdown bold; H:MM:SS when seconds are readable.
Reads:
**3:32**
